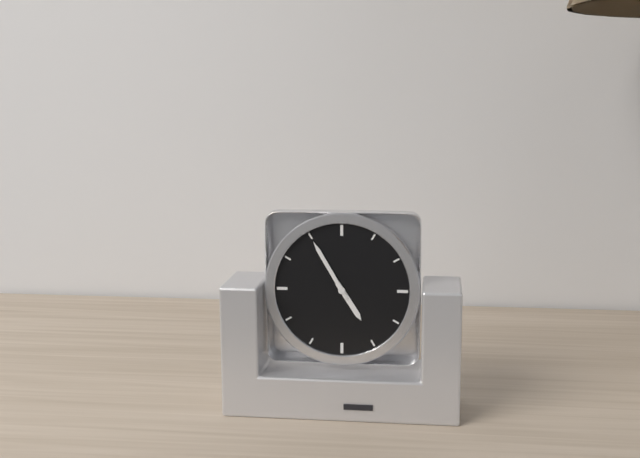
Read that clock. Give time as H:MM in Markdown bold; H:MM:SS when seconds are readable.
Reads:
**4:55**
